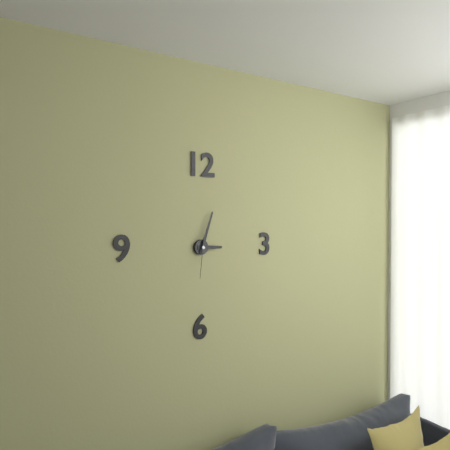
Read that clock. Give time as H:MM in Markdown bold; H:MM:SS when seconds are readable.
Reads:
**3:03**
